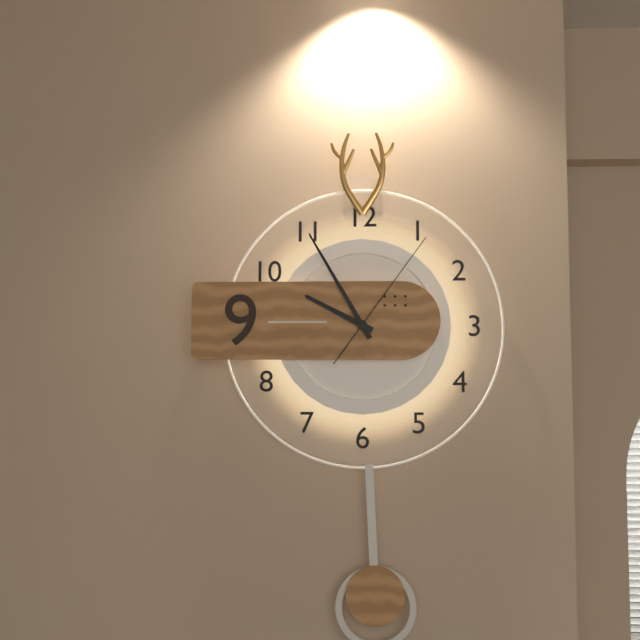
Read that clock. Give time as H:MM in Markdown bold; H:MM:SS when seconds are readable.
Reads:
**9:55:06**
